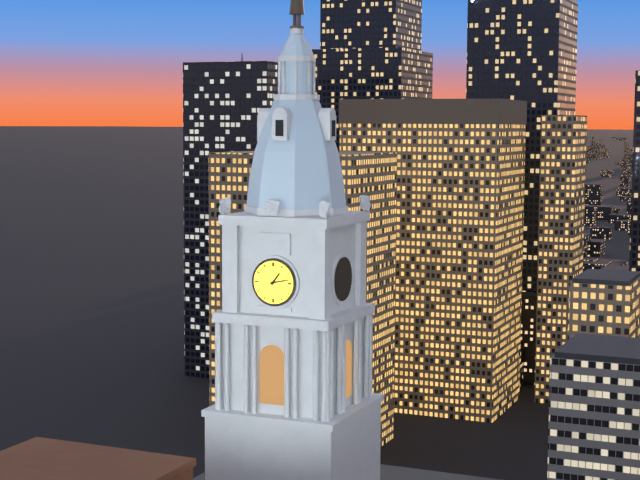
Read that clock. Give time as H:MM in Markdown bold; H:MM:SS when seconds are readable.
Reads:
**1:13**
